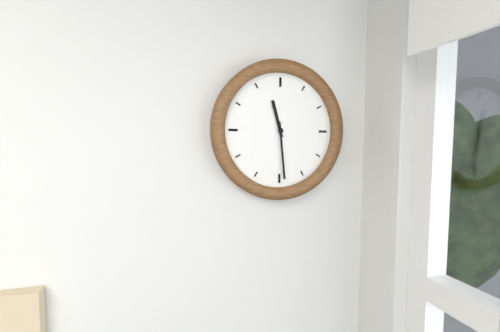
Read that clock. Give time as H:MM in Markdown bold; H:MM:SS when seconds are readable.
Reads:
**11:29**
